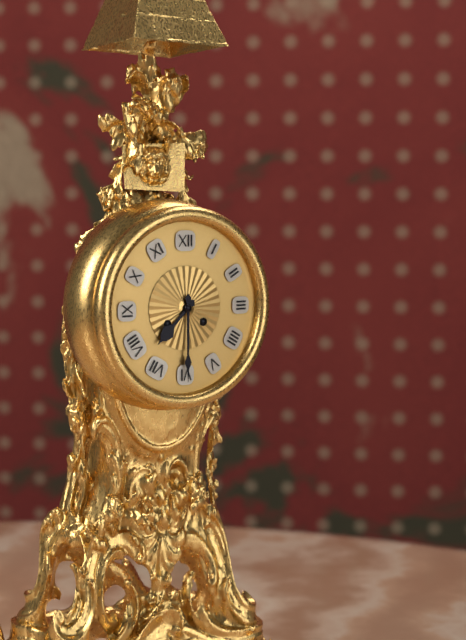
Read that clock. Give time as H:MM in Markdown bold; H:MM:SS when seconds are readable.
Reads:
**7:30**
